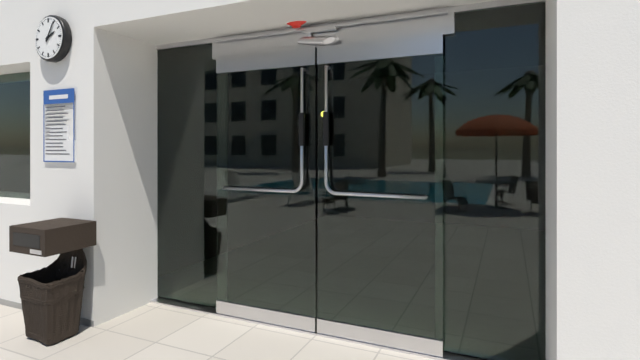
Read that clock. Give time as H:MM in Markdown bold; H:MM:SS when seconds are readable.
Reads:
**2:05**
